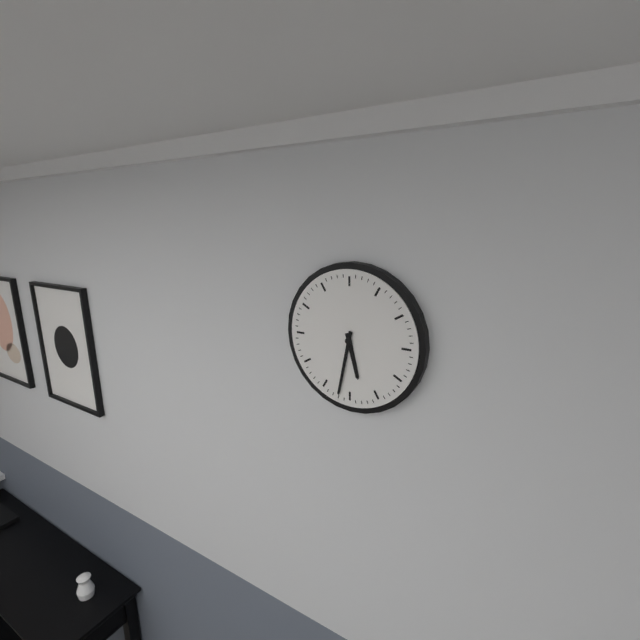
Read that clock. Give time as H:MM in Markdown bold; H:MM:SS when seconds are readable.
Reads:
**5:32**
